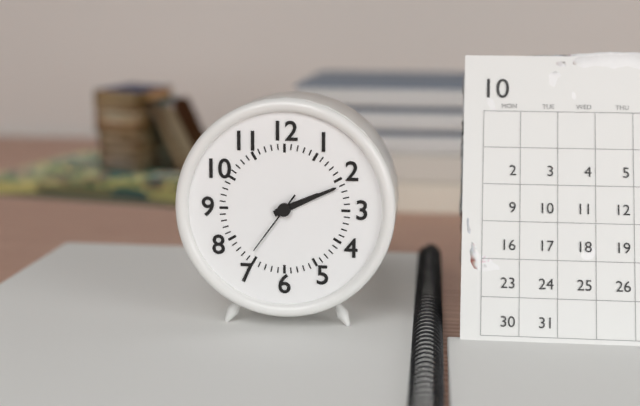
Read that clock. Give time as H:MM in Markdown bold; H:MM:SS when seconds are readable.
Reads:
**2:11:36**
